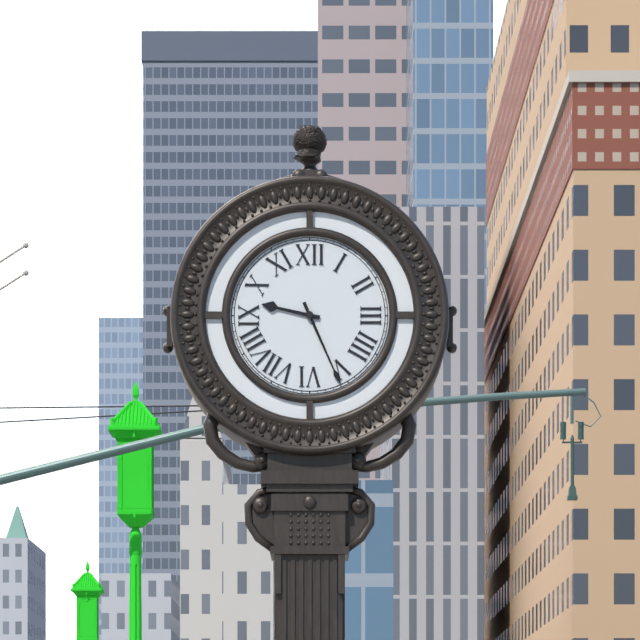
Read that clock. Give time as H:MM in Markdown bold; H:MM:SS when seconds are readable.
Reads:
**9:26**
